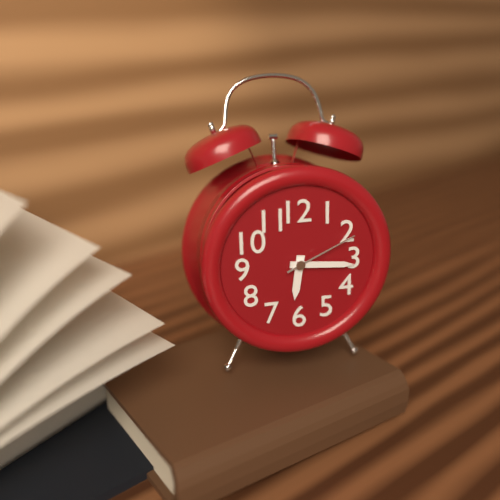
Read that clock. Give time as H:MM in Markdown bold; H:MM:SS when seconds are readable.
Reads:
**6:16:11**
